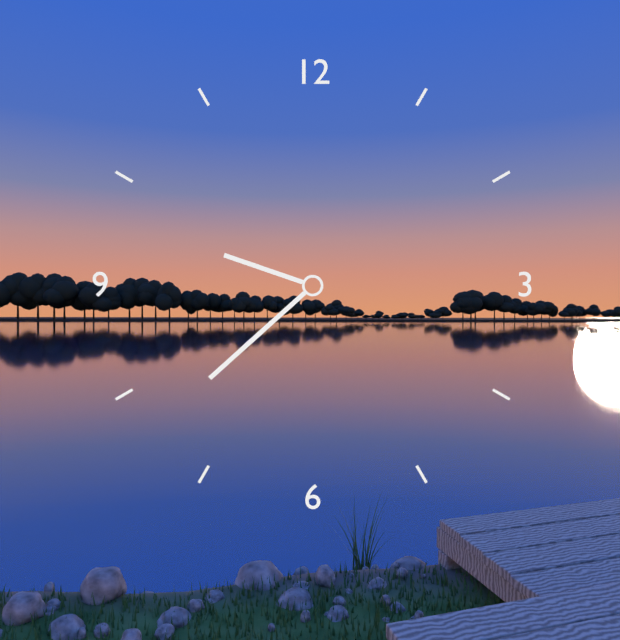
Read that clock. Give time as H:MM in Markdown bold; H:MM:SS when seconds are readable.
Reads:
**9:38**
